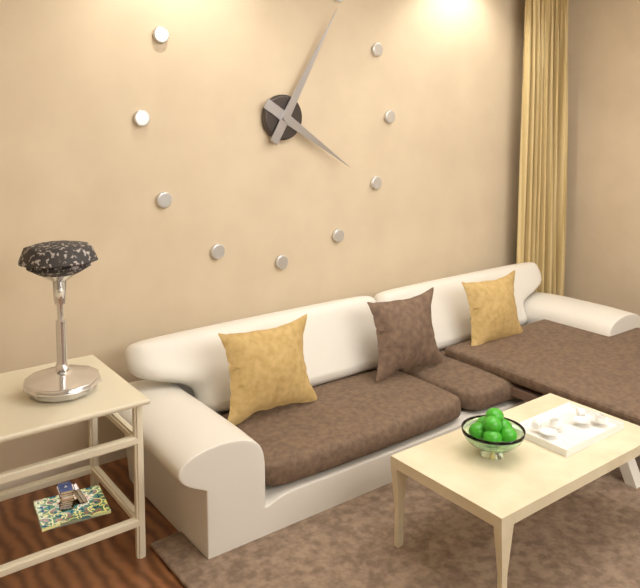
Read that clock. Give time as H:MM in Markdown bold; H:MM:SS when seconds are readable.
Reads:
**4:05**
